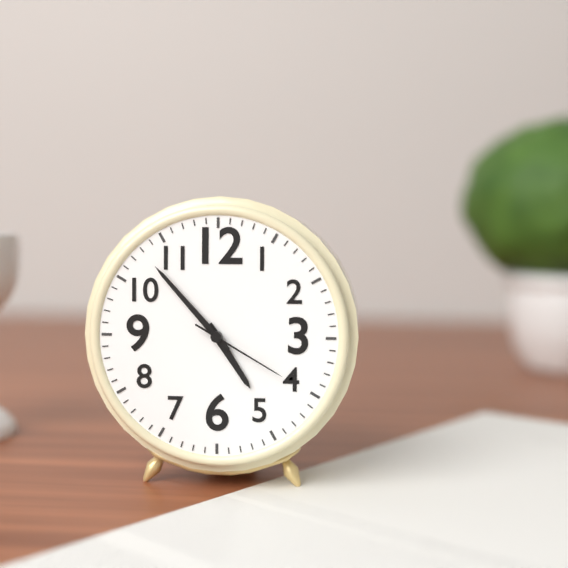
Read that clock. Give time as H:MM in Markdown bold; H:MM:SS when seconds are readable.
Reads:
**4:53:20**
